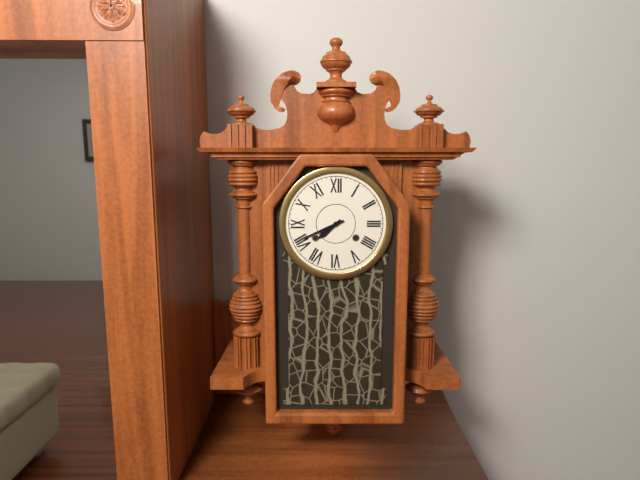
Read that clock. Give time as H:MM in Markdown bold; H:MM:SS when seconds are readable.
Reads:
**7:41**
